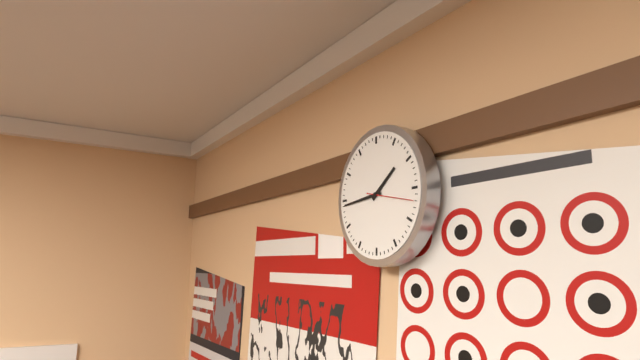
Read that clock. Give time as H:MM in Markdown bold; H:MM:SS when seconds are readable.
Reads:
**1:44**
